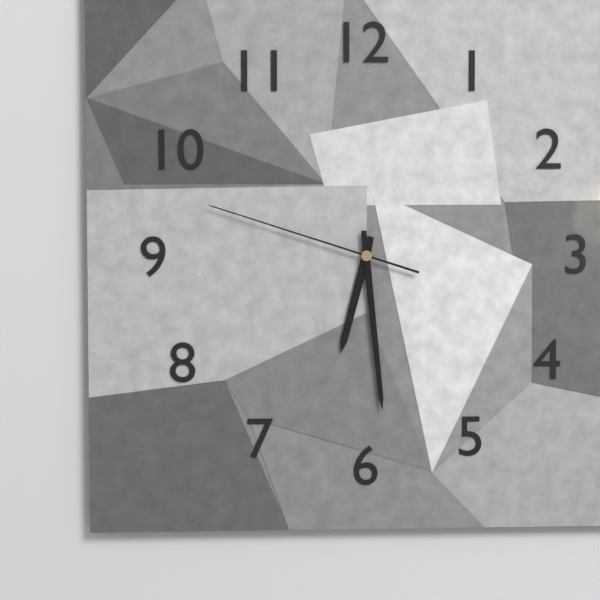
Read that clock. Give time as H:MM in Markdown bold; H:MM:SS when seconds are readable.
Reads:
**6:29:48**
